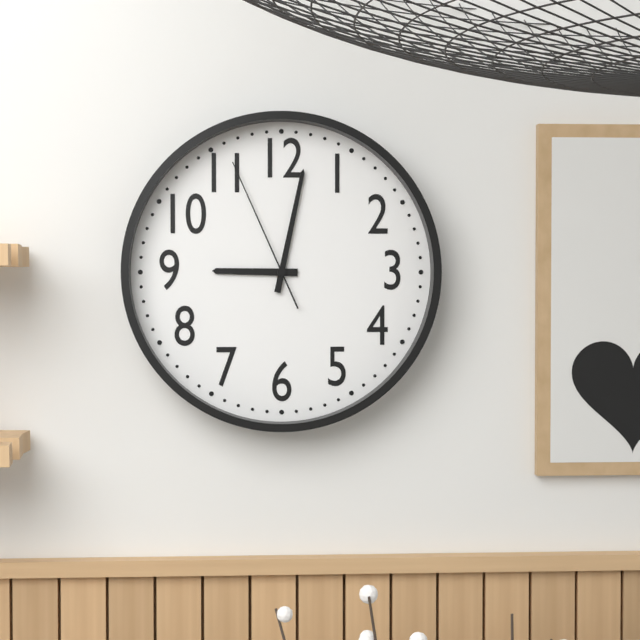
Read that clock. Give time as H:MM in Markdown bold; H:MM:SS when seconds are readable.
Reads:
**9:02:56**
